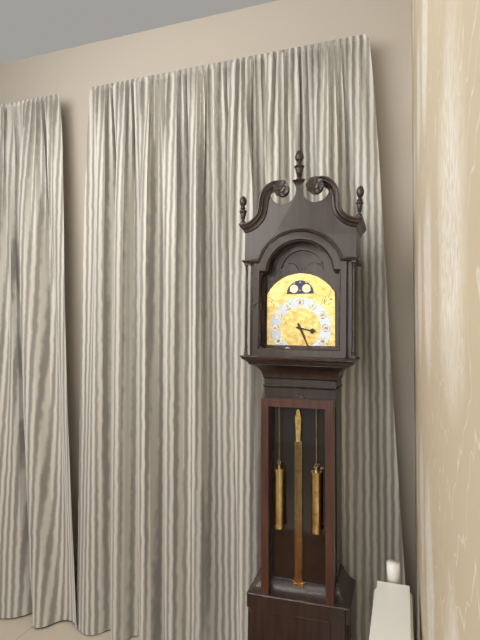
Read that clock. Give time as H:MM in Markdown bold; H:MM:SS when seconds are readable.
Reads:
**3:26**
